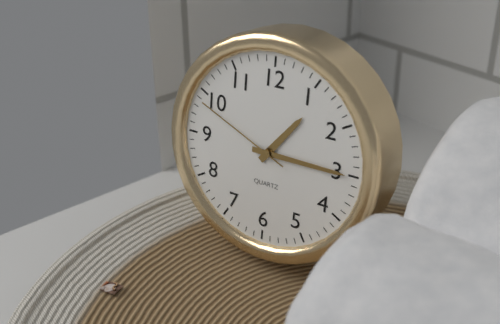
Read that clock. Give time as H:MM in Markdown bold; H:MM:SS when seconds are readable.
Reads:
**1:15:49**
